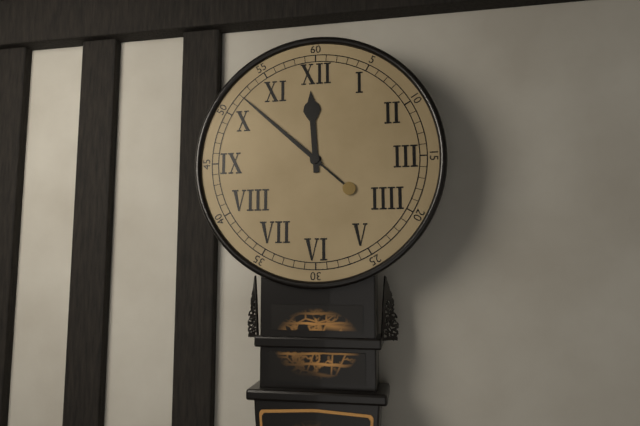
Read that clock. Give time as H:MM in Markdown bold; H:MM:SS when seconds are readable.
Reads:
**11:52**
